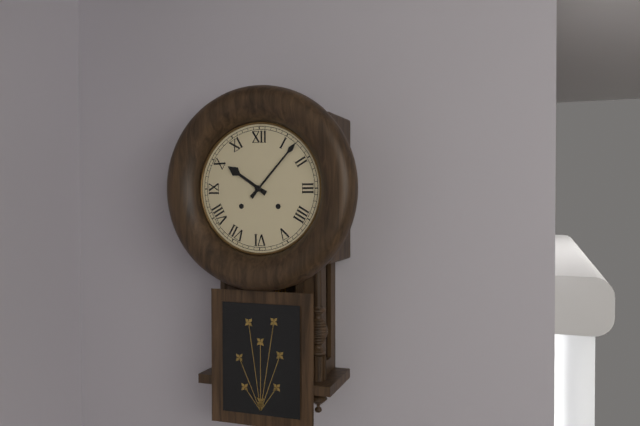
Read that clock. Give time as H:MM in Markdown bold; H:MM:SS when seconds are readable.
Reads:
**10:07**
